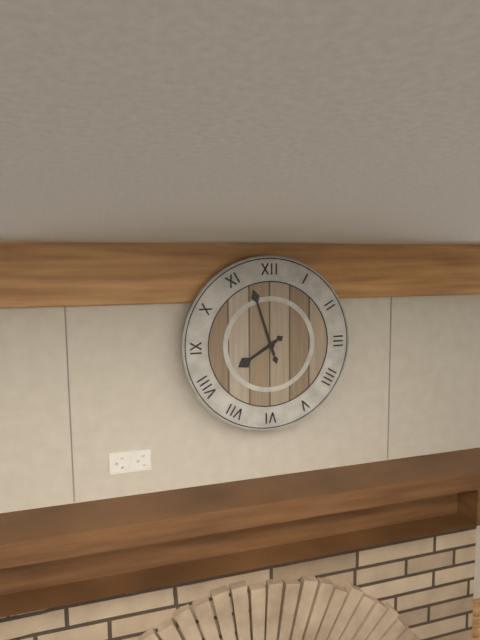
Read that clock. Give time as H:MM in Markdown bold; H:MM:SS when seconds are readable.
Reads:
**7:57**
